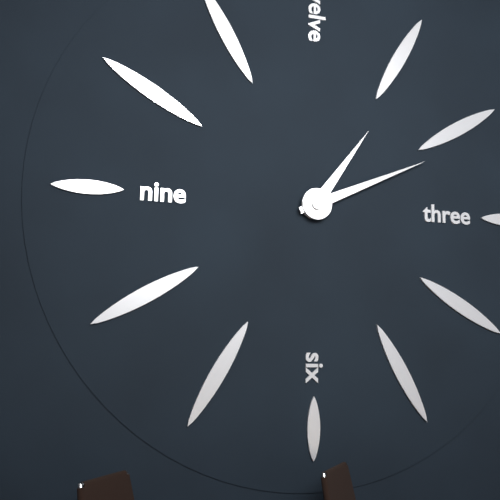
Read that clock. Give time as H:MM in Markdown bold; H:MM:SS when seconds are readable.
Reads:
**1:11**
